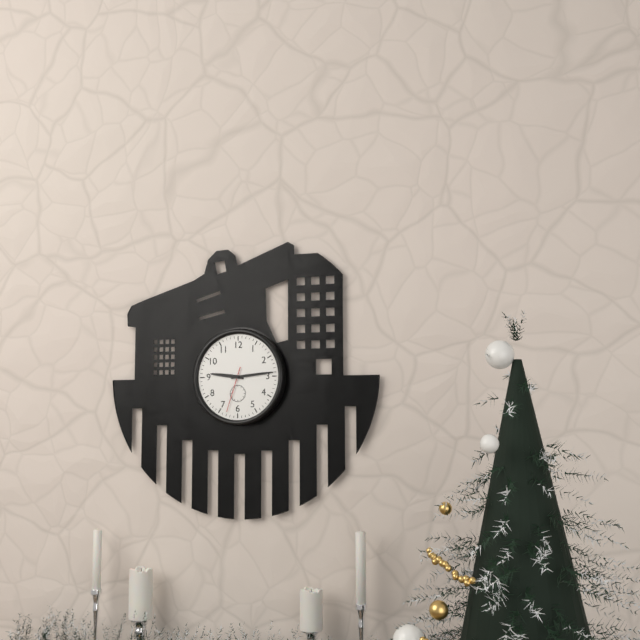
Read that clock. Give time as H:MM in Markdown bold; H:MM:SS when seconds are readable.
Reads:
**9:14**
